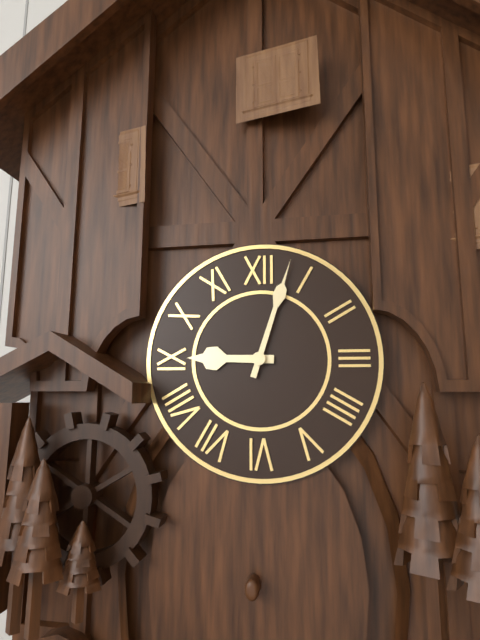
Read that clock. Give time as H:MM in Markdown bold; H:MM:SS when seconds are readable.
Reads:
**9:03**
